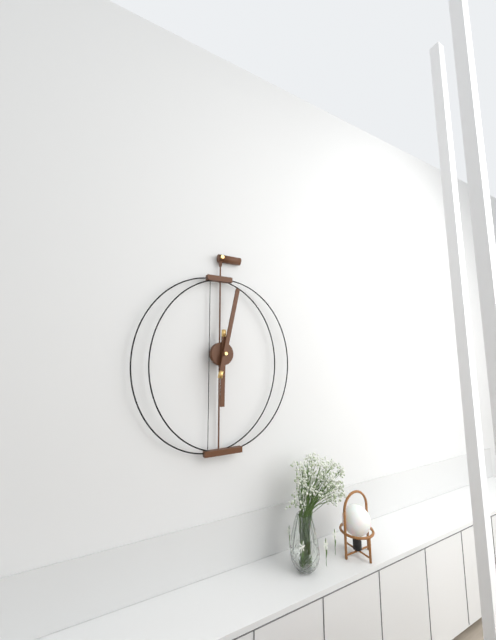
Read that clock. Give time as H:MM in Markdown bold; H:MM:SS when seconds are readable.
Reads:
**6:02**
